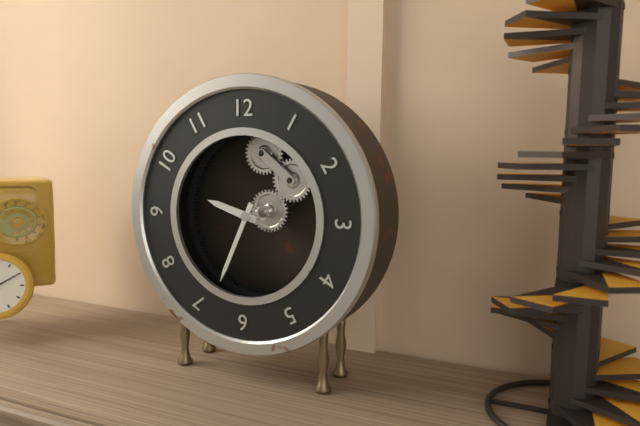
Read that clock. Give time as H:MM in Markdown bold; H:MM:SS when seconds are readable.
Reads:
**9:34**
